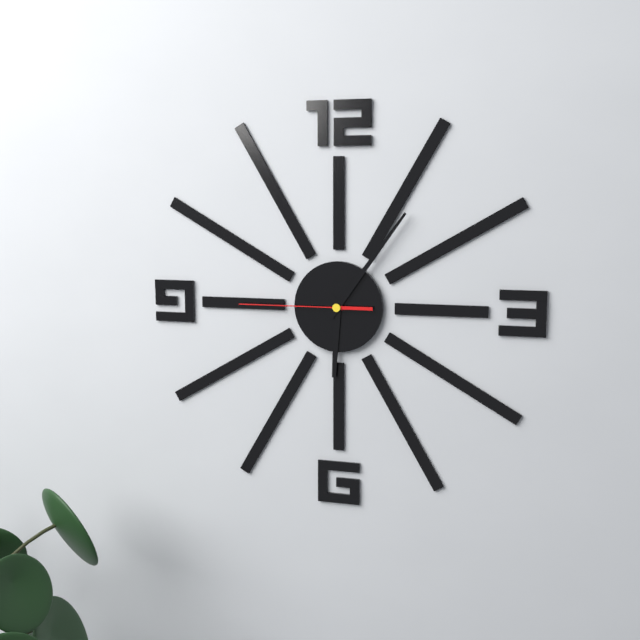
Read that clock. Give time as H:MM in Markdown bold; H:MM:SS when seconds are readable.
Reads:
**6:06:45**
